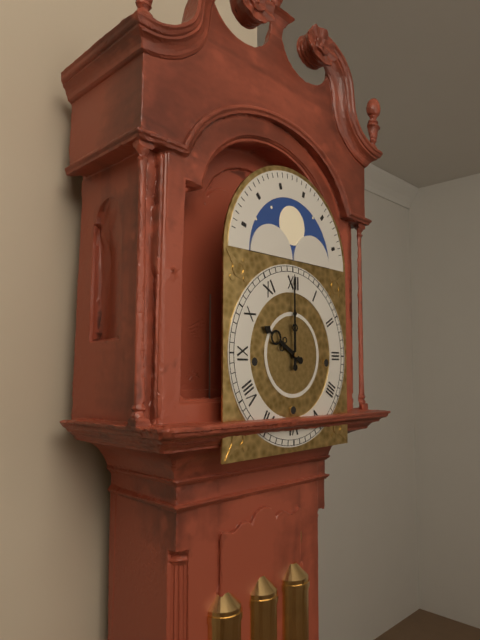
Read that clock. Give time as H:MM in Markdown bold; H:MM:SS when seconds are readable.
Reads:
**10:00**
